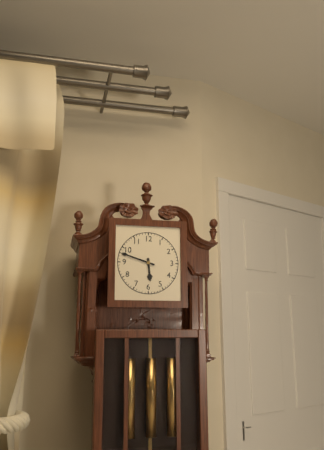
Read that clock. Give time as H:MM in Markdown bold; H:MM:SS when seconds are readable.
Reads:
**5:48**
